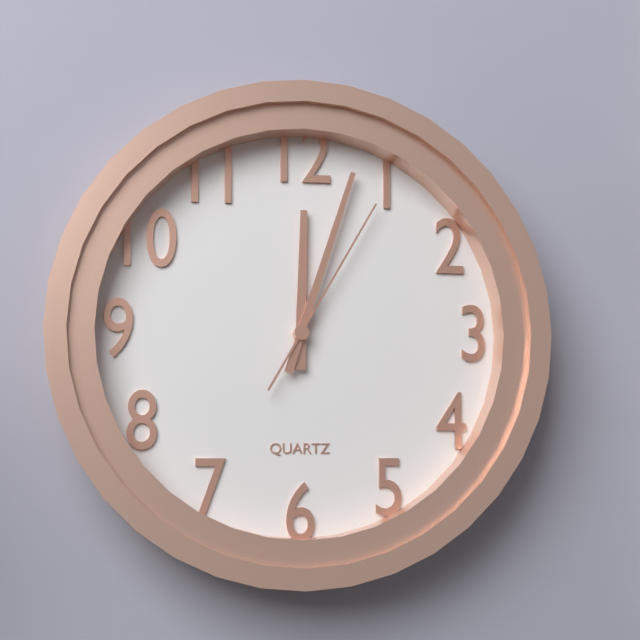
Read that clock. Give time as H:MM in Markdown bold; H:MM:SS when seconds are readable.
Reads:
**12:03:05**
